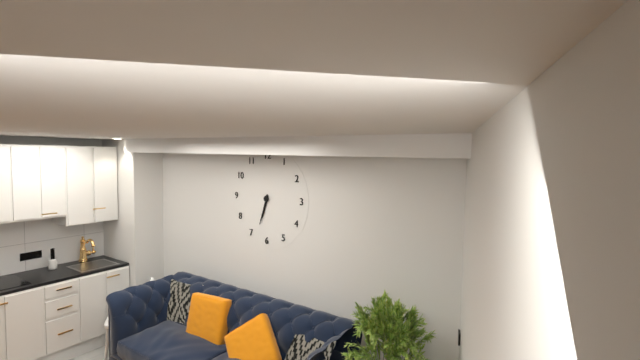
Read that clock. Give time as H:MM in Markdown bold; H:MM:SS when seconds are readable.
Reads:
**6:33**
